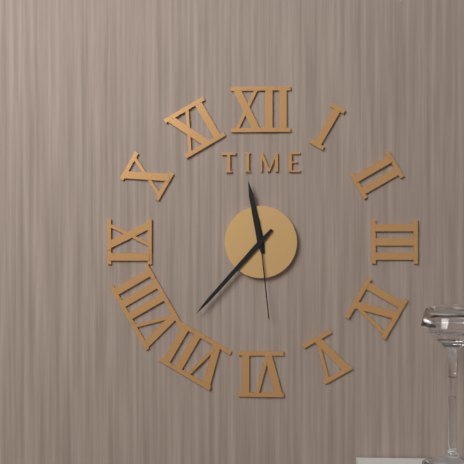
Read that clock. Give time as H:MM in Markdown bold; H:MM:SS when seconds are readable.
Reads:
**11:37:29**
